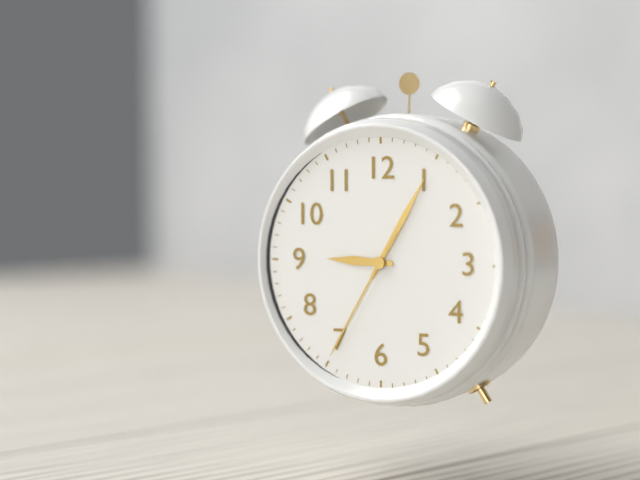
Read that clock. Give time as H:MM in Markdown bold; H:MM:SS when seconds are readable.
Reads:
**9:05:35**
